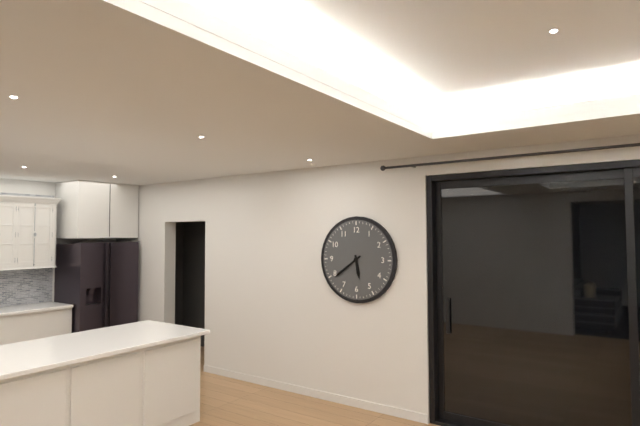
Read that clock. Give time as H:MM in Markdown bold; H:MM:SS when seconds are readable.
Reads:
**5:39**
